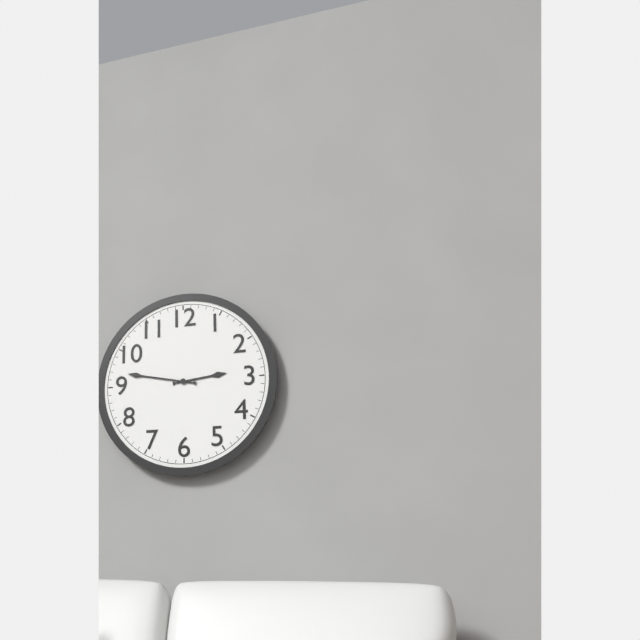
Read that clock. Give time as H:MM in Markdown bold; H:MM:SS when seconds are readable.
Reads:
**2:47**
